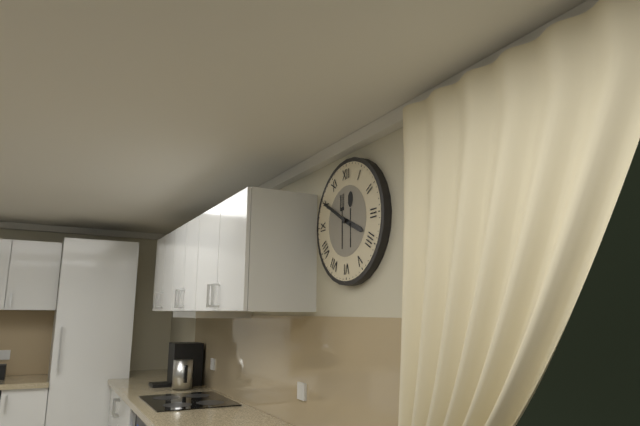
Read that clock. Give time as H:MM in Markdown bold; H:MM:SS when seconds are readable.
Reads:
**3:50**
